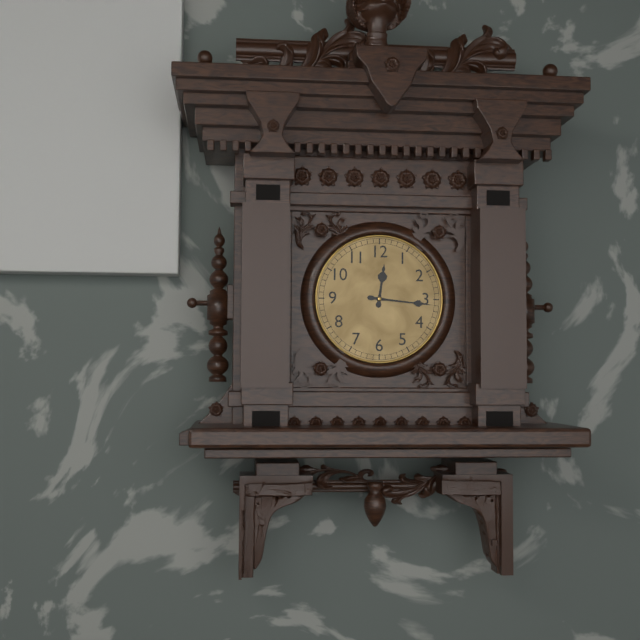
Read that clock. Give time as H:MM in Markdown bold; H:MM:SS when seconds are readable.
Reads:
**12:16**
